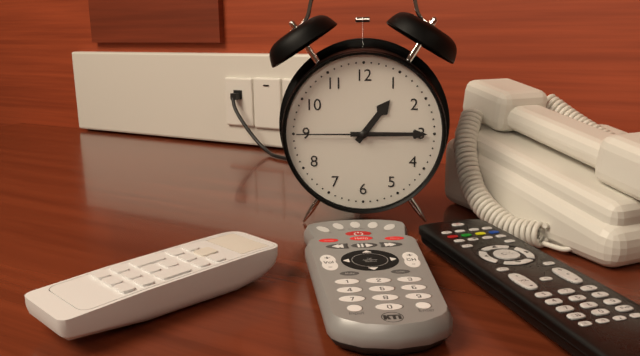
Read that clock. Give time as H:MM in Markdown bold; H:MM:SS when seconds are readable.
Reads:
**1:15:45**
